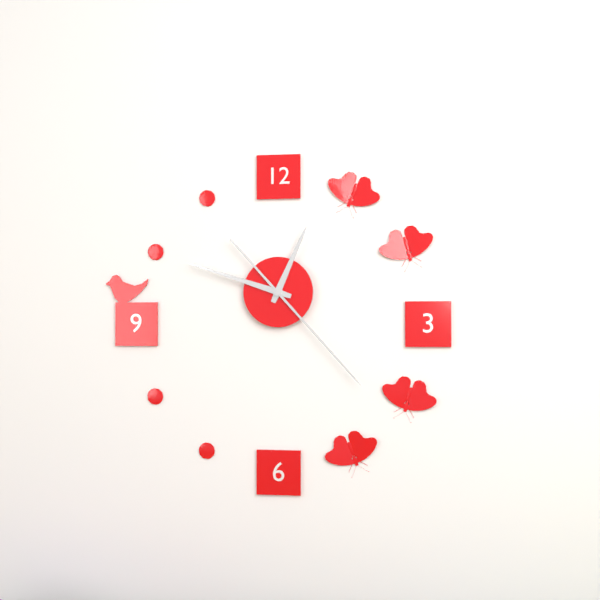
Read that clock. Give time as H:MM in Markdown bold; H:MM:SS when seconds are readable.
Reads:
**12:48:23**
